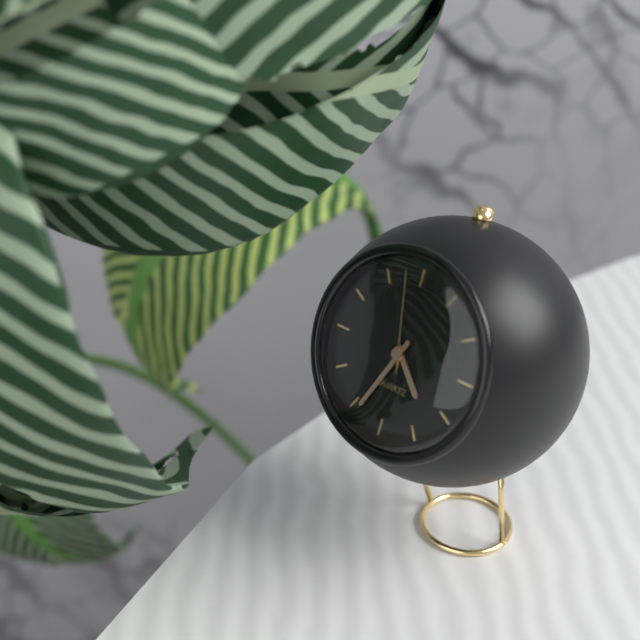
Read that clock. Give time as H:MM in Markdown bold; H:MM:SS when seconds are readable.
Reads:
**4:34:58**
